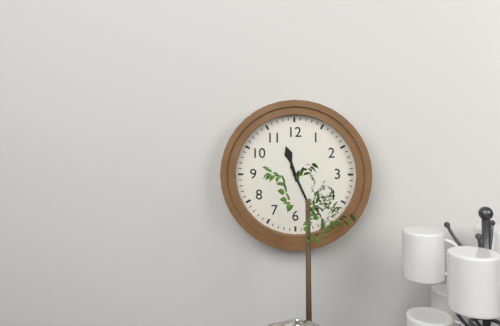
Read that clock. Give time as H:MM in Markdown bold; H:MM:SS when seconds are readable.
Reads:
**11:26**
